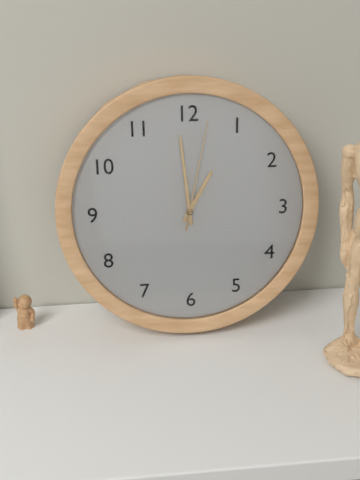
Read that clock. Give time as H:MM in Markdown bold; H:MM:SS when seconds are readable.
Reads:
**12:59:02**
